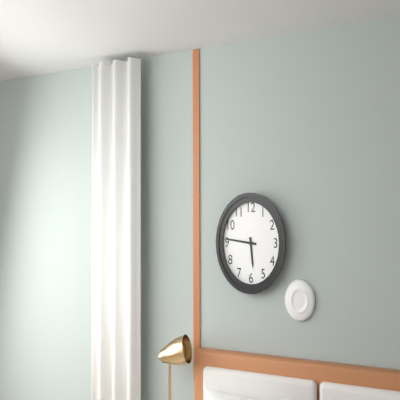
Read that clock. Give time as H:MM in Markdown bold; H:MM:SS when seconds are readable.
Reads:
**5:46**
